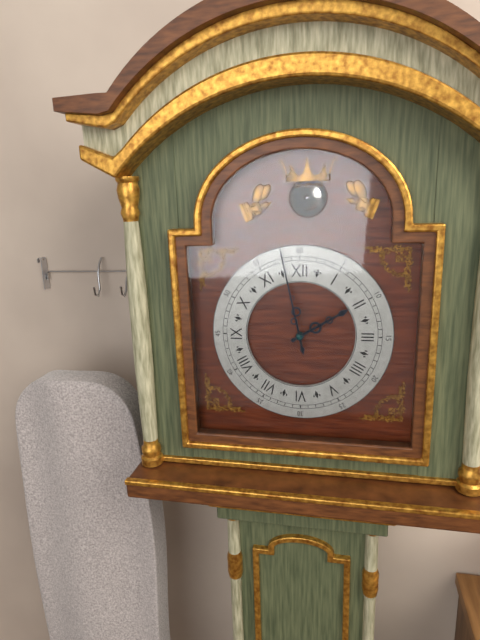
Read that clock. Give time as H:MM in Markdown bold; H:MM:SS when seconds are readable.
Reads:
**1:58**
